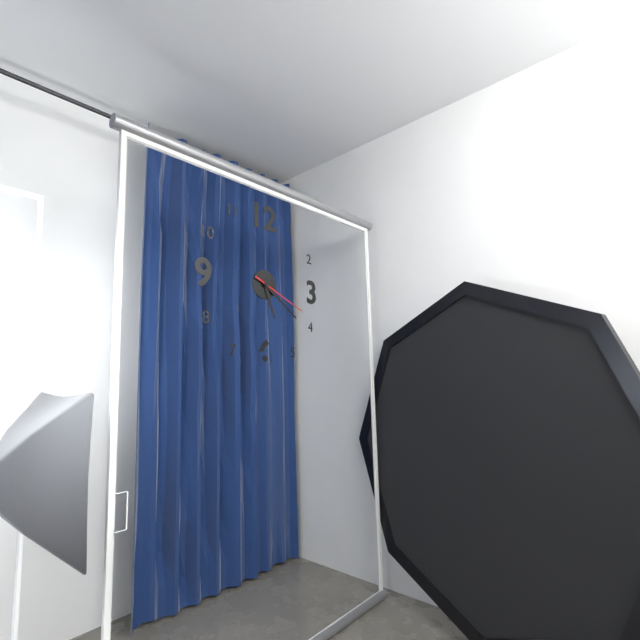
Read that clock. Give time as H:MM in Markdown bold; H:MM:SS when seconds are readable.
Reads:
**5:21:19**
